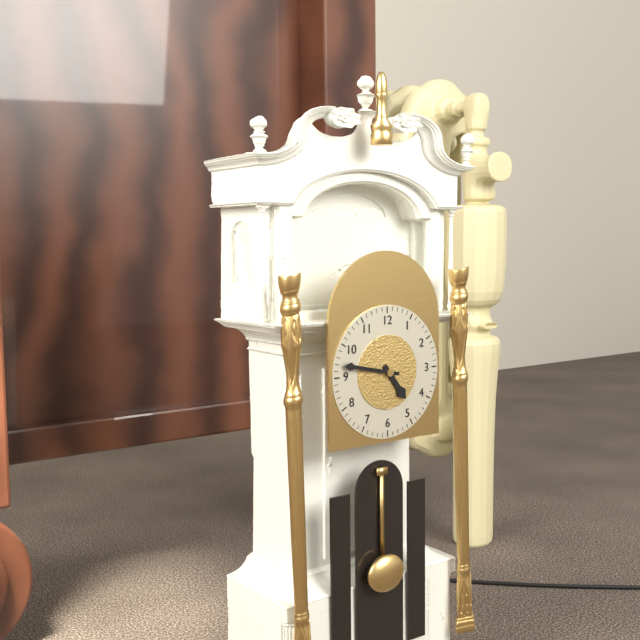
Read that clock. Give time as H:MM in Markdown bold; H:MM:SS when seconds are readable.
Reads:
**4:47**
